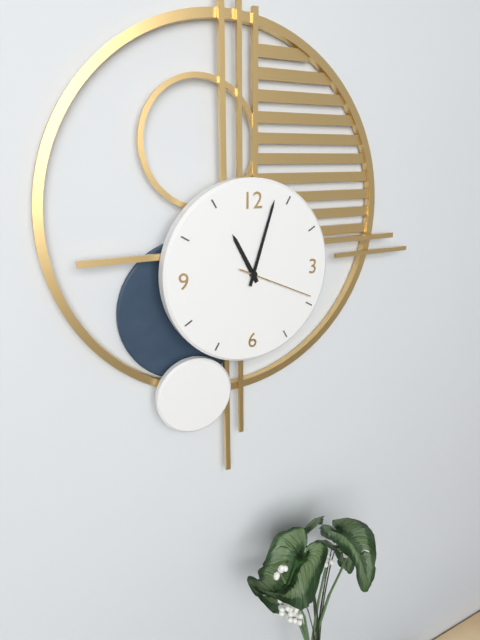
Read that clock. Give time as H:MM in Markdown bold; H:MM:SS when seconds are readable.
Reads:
**11:03:19**
